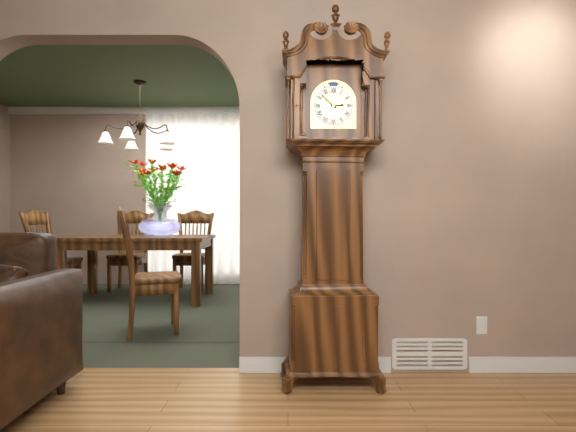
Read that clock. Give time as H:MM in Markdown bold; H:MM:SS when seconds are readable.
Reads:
**2:52**
